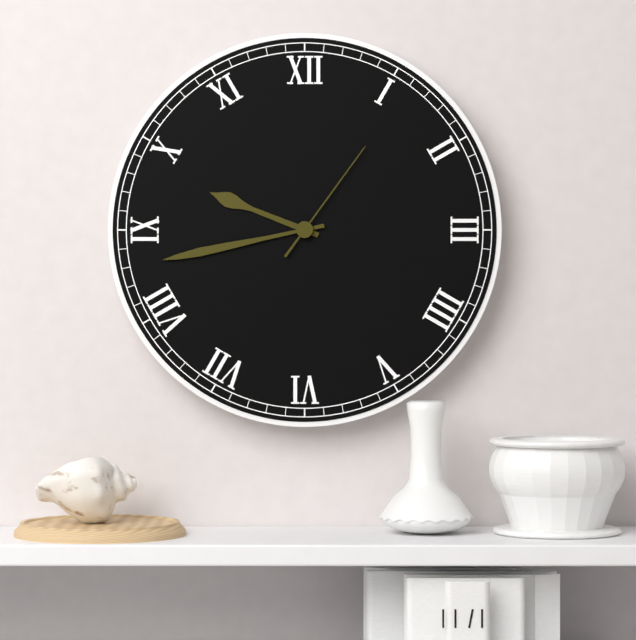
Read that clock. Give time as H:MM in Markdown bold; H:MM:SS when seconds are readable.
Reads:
**9:43:06**
